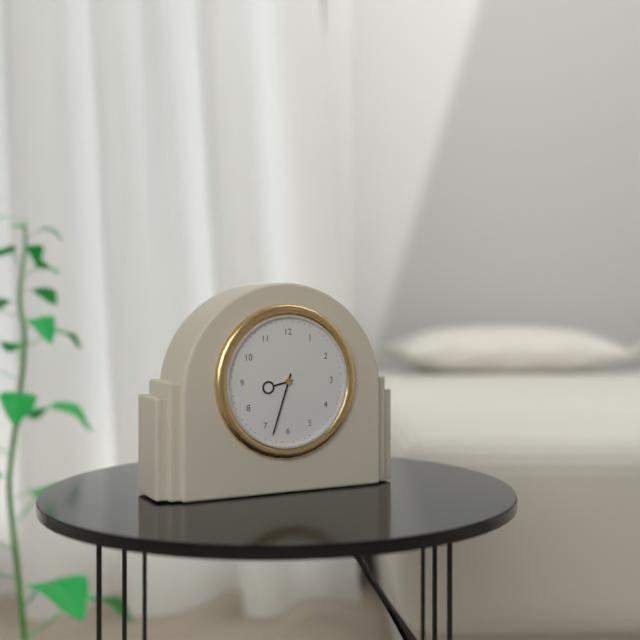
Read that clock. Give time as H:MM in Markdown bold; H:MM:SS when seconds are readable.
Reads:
**8:33**
